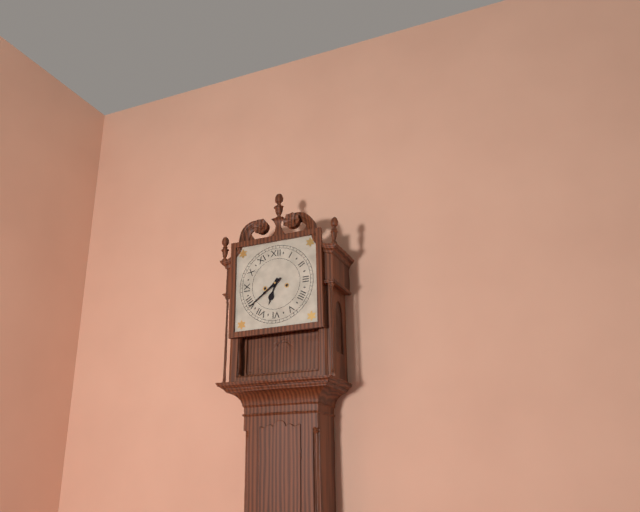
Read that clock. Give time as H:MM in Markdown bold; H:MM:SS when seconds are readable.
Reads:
**6:39**
